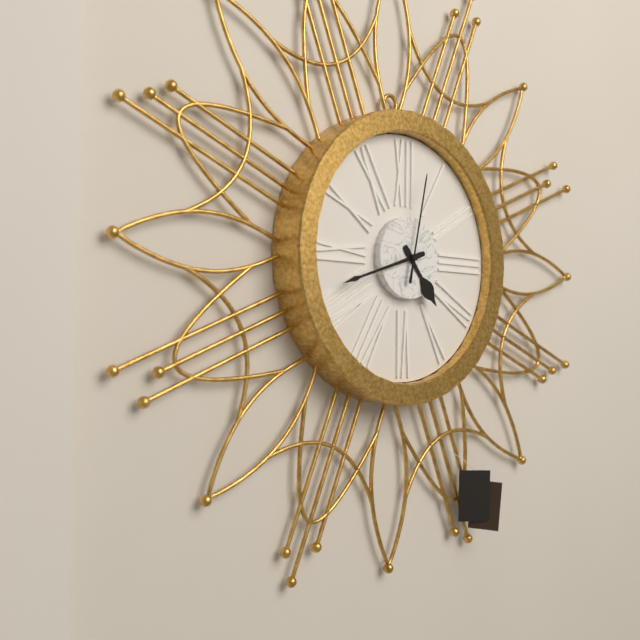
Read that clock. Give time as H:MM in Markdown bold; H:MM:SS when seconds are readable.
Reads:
**4:42:02**
